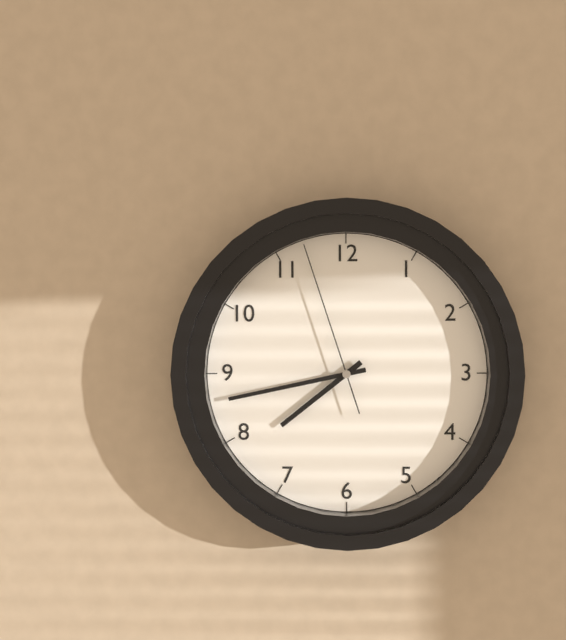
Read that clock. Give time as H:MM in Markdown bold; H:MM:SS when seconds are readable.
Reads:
**7:43:57**
